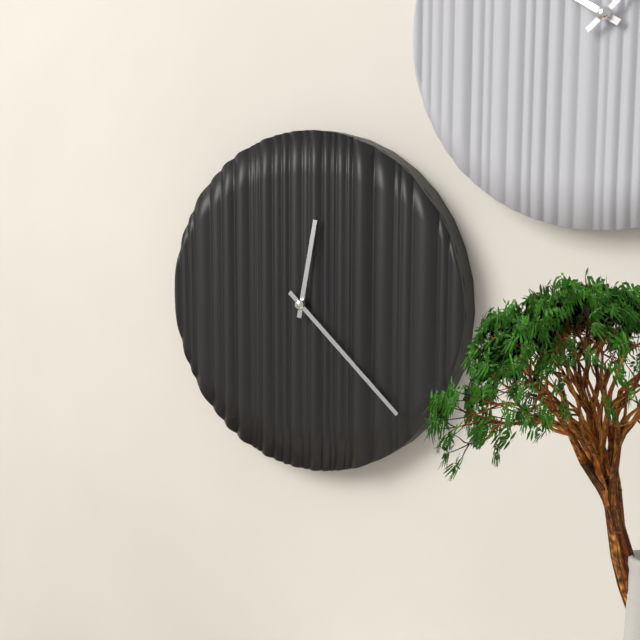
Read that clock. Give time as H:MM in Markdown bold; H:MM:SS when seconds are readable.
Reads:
**12:22**
